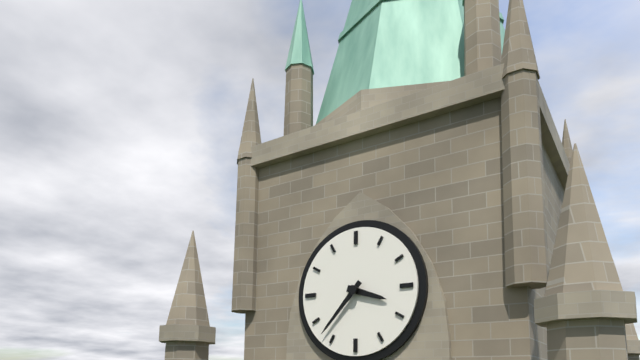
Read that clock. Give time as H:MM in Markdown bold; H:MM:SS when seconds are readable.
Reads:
**3:37**
